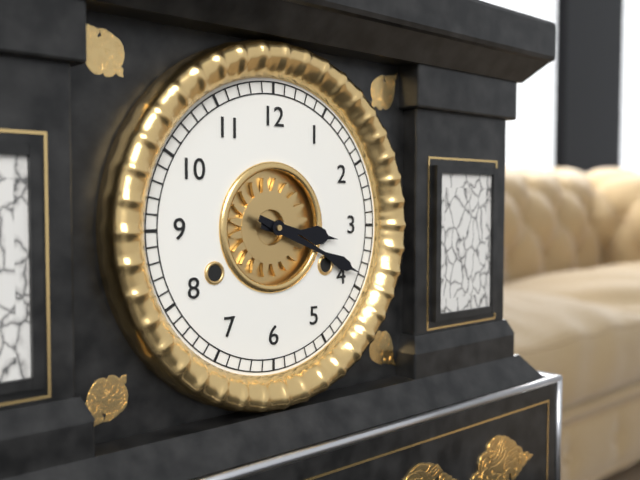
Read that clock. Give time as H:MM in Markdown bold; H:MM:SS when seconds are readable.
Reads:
**3:19**
